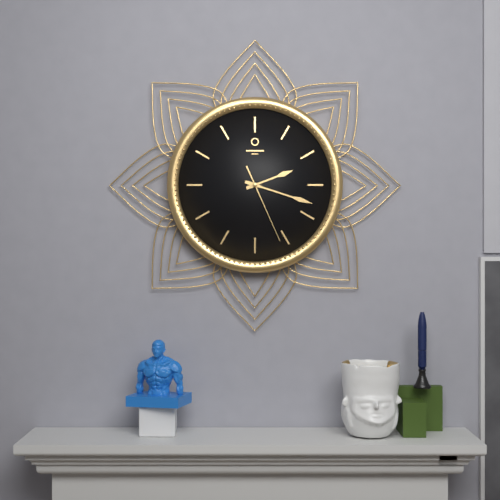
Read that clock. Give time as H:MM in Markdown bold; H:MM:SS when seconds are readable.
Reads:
**2:18:26**
